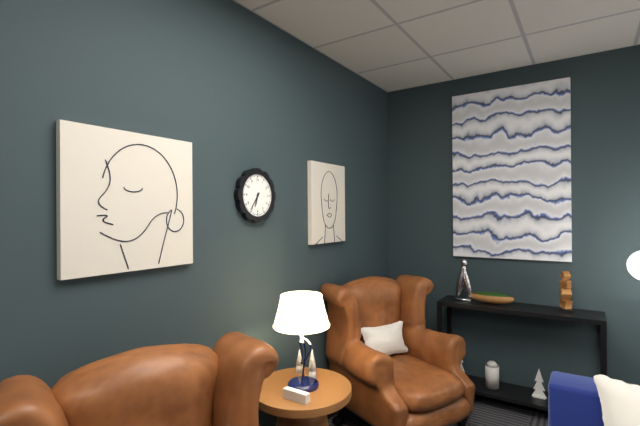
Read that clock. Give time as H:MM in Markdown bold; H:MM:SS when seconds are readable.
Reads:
**6:36**
